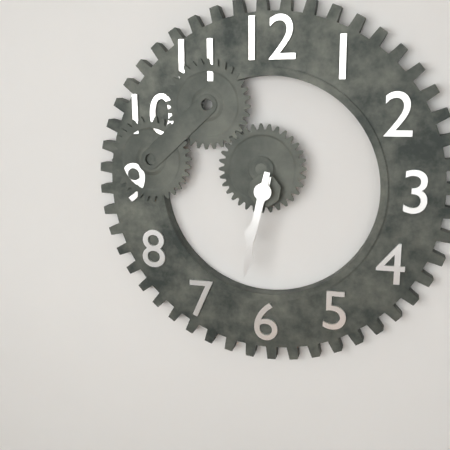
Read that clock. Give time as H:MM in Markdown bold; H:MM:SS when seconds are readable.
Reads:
**6:32**
